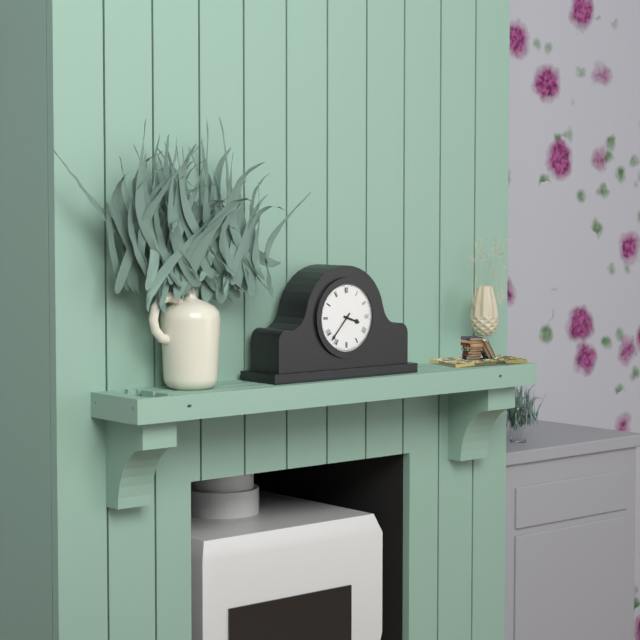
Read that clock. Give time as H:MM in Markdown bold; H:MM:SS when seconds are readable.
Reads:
**3:37**
